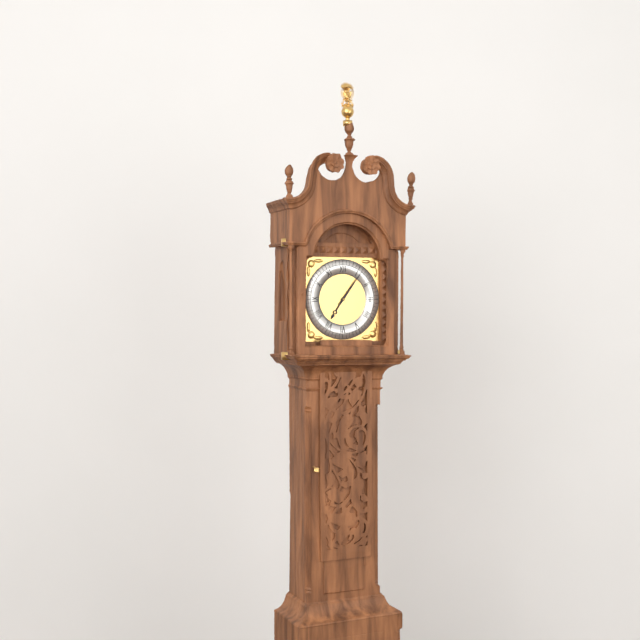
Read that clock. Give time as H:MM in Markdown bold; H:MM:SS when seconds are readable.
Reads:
**7:06**
